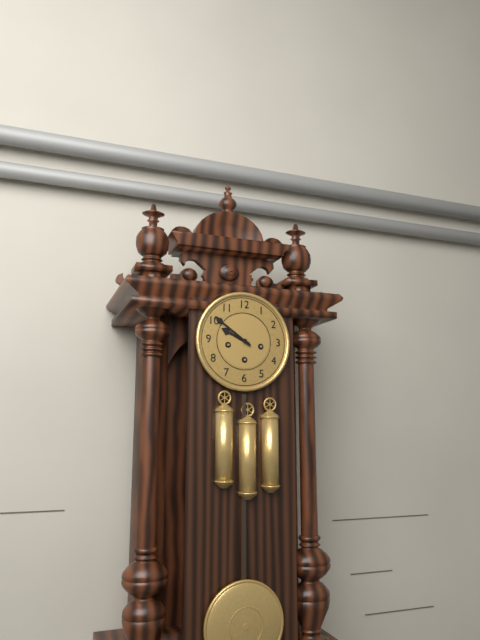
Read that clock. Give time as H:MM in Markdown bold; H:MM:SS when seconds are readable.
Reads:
**9:51**
